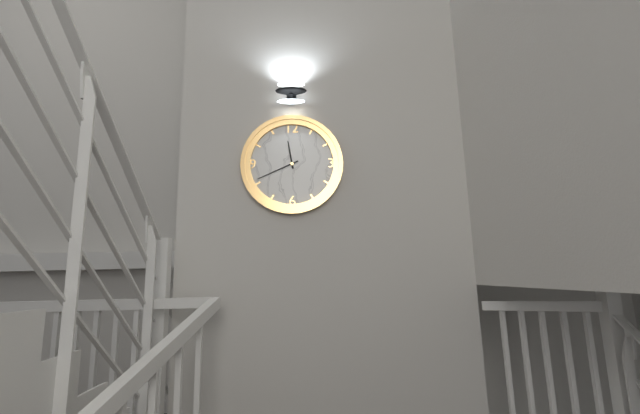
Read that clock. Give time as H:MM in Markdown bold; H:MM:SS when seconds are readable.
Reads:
**11:41**
